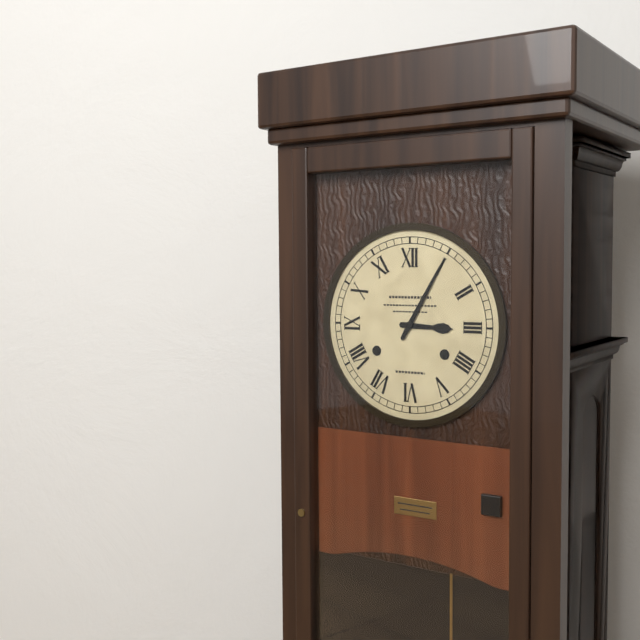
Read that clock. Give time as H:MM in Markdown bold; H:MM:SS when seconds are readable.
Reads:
**3:05**
